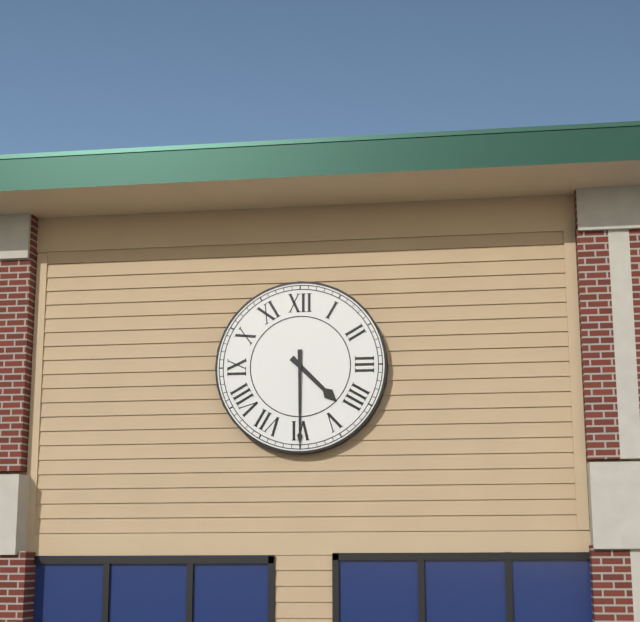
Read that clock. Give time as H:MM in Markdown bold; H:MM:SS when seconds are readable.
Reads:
**4:30**
